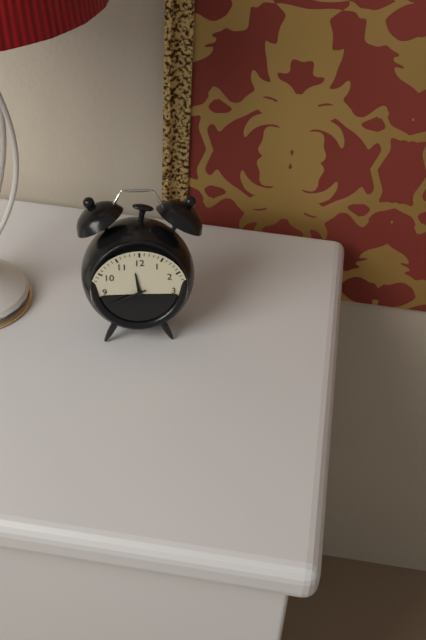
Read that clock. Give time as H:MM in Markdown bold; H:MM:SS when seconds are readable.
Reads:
**11:41**
